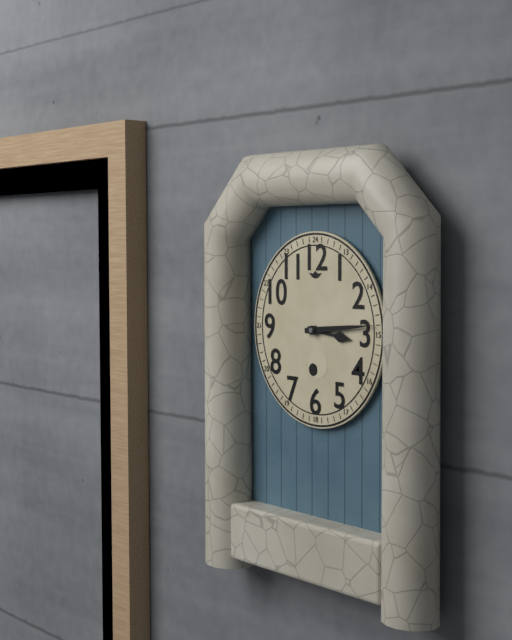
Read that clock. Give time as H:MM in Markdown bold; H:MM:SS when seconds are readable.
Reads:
**3:14**
